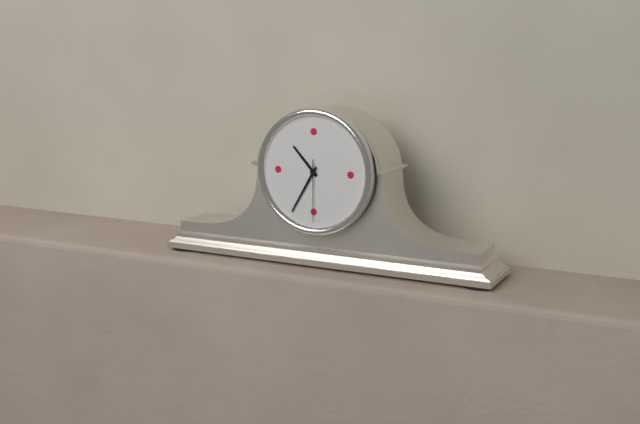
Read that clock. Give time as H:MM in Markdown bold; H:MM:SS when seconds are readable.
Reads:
**10:35:30**
